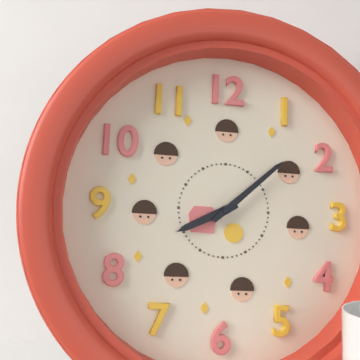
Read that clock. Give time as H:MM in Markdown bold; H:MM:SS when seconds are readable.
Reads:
**8:08**
